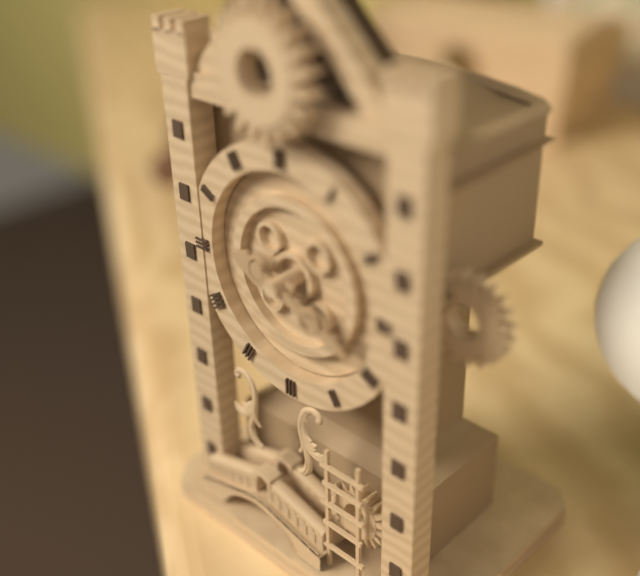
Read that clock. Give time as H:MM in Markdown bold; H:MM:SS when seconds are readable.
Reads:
**9:19**
